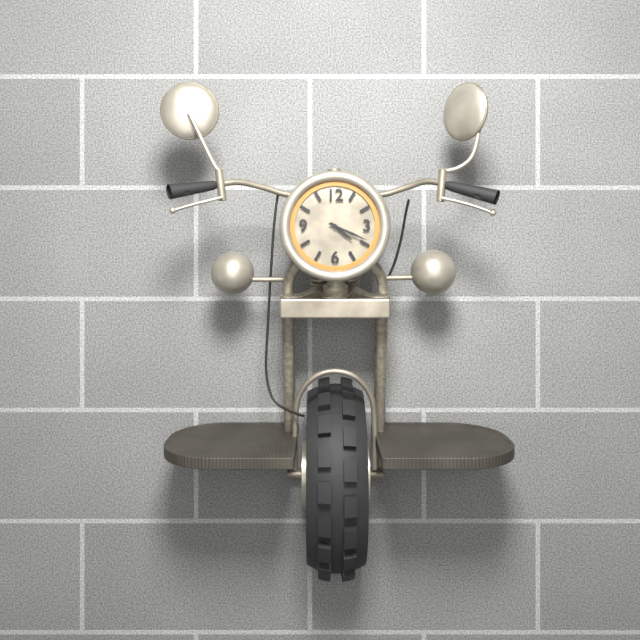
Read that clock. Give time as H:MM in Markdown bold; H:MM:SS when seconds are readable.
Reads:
**4:19**
